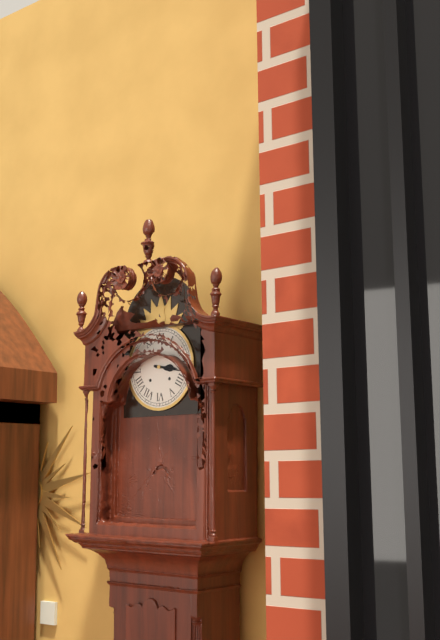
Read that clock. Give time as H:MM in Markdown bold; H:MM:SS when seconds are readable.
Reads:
**3:17**
